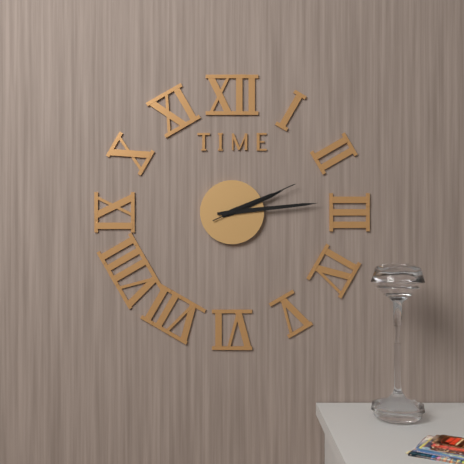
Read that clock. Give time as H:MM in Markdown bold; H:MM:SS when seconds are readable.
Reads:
**2:14:11**
